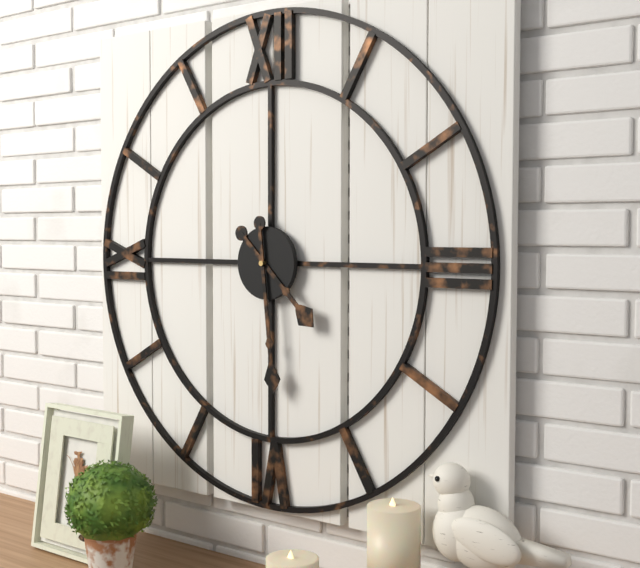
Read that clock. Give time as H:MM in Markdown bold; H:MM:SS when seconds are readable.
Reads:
**4:29**
